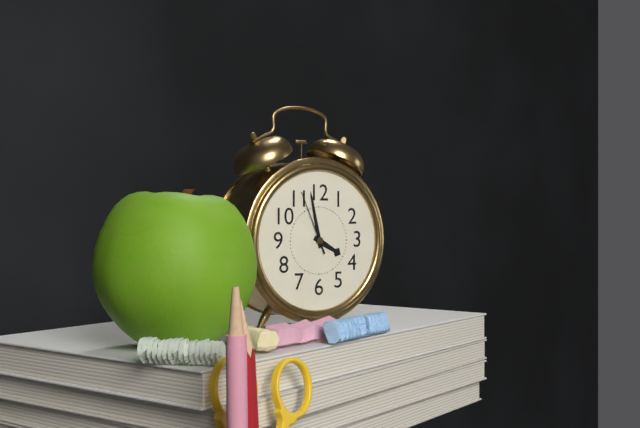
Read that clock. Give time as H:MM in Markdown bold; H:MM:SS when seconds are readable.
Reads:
**3:58:56**
